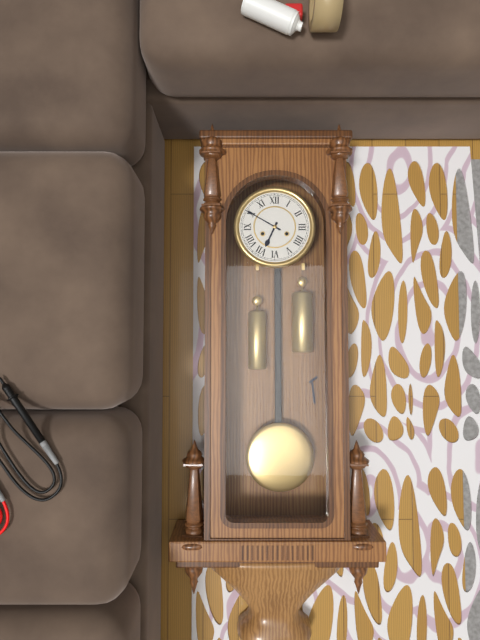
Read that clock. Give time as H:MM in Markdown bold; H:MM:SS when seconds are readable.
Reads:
**6:50**
